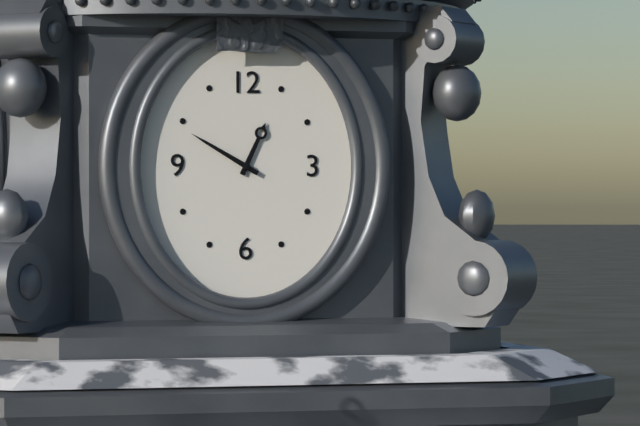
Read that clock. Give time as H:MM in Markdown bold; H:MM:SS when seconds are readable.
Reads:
**12:50**
